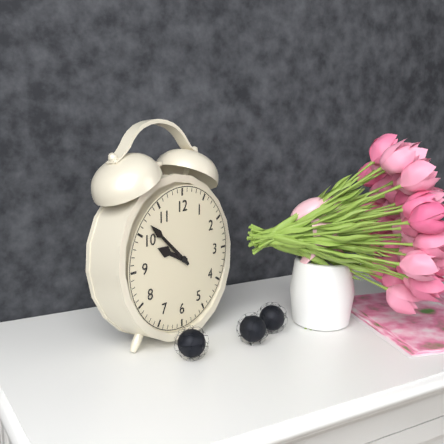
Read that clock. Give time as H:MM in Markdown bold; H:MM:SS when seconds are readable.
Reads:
**9:52**
